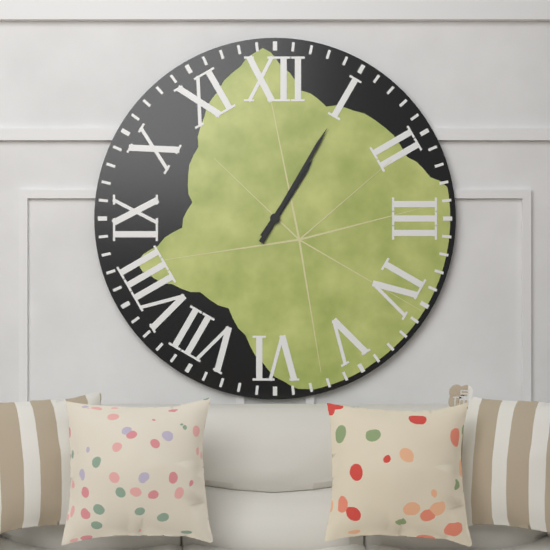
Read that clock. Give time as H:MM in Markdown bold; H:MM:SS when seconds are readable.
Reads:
**1:05**
